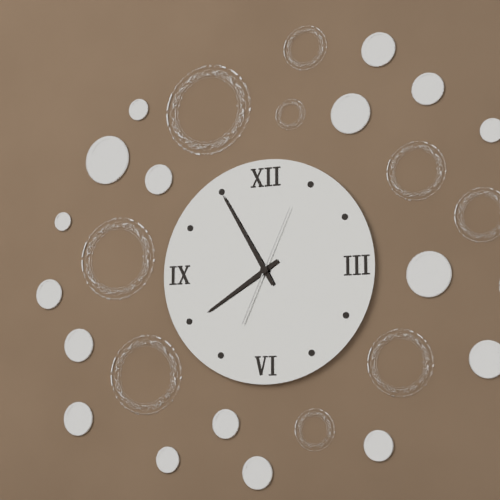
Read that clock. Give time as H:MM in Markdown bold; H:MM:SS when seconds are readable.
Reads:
**7:55:04**
